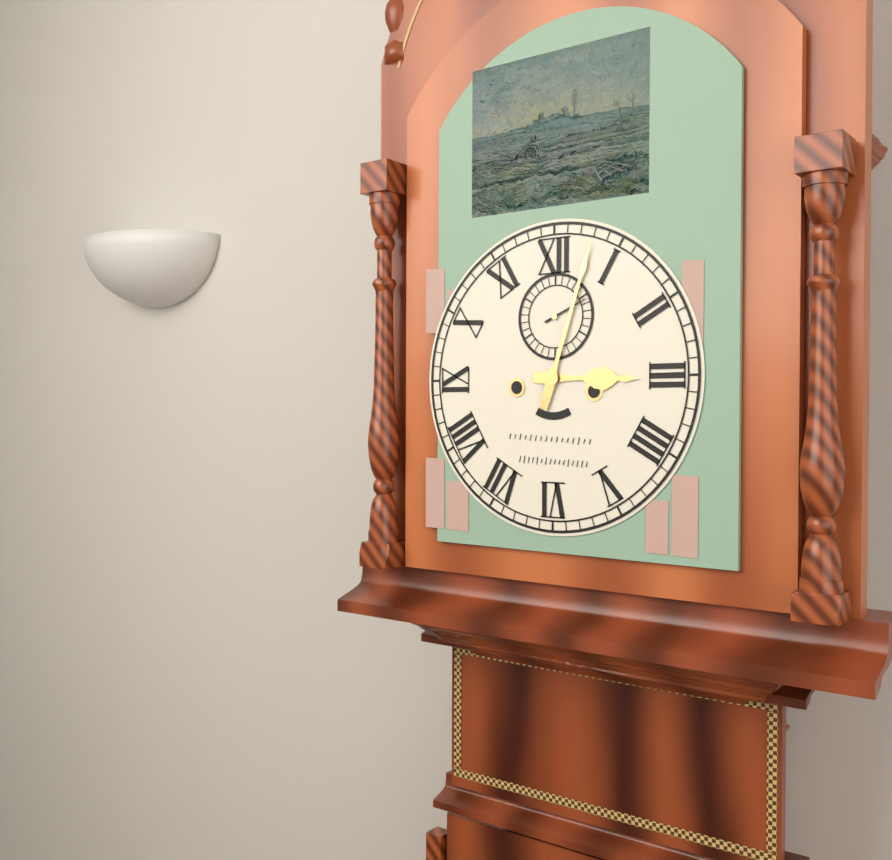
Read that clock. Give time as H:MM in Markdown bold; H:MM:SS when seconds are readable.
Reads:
**3:03**
